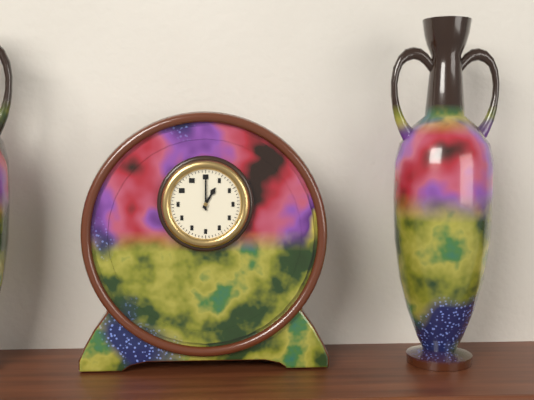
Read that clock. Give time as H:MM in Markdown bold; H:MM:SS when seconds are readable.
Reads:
**1:00**
